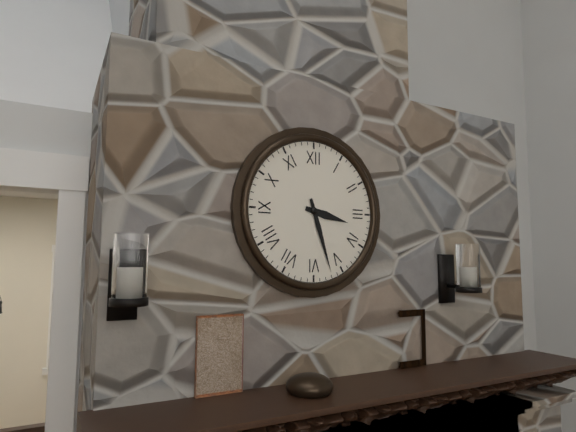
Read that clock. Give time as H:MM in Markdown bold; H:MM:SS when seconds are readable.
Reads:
**3:27**
